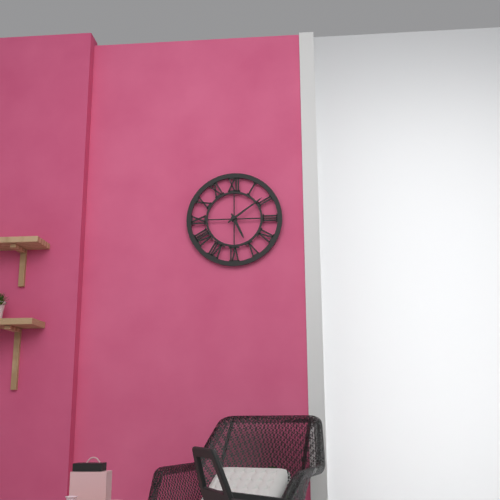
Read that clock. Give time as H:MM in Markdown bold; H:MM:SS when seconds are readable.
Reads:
**5:09**
